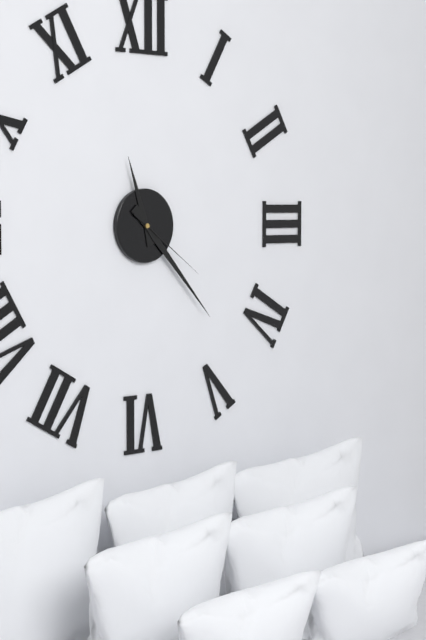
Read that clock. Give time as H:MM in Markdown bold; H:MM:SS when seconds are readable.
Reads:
**11:23:21**
